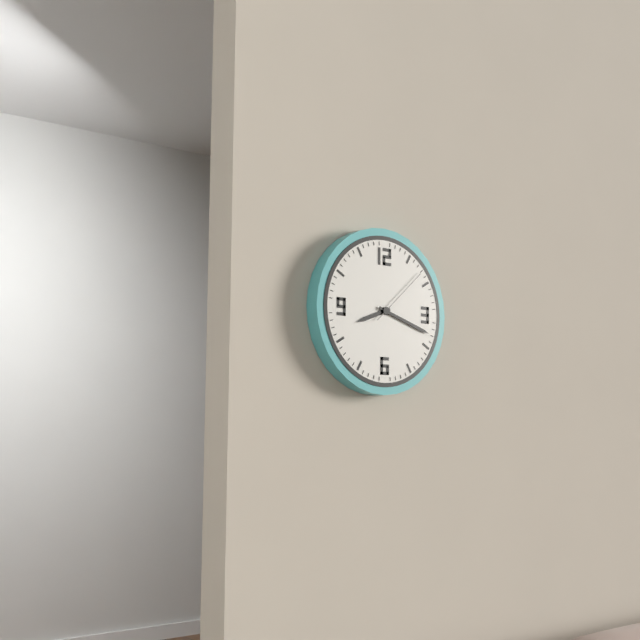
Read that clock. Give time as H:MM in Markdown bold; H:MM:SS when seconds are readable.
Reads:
**8:18:08**
